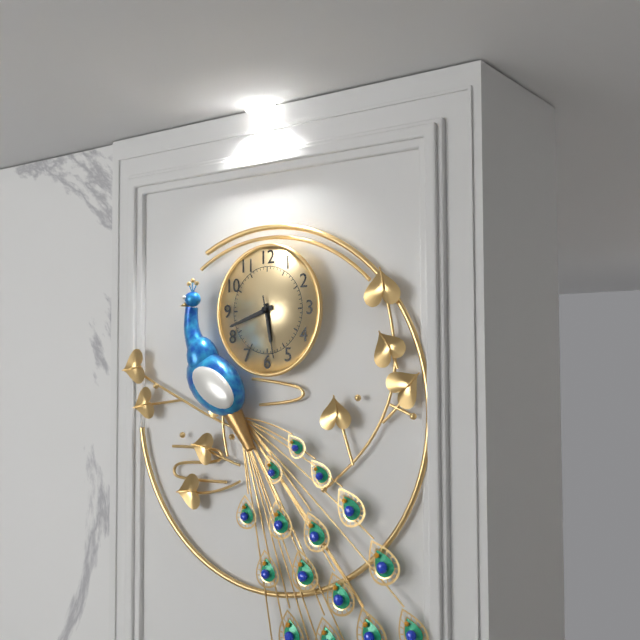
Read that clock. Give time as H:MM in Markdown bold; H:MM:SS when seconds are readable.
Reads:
**5:42:28**
